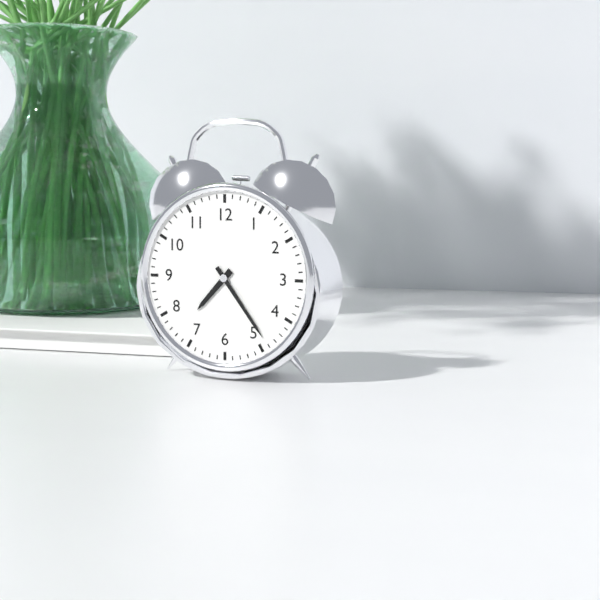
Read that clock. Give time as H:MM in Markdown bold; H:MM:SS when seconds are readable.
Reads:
**7:24**
